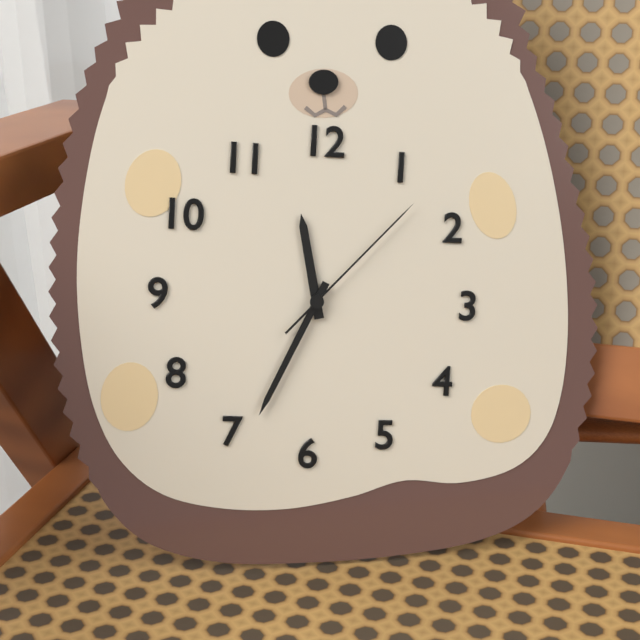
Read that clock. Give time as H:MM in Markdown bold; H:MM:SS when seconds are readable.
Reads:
**11:34:07**
